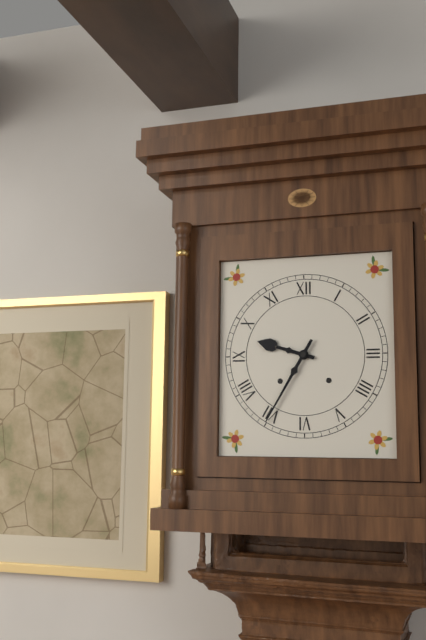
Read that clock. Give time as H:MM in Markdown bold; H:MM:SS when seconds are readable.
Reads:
**9:35**
